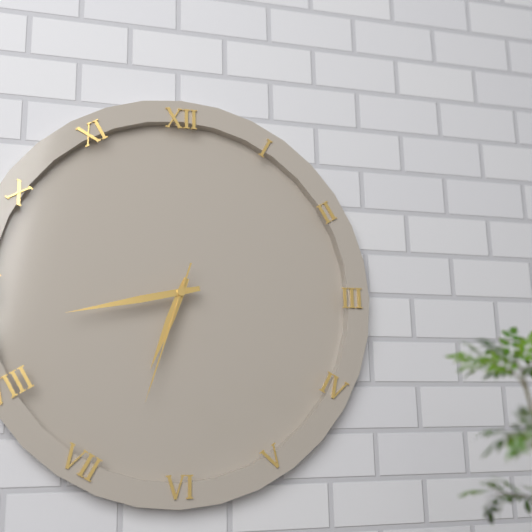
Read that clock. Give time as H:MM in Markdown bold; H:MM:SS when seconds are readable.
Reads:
**6:43:33**
